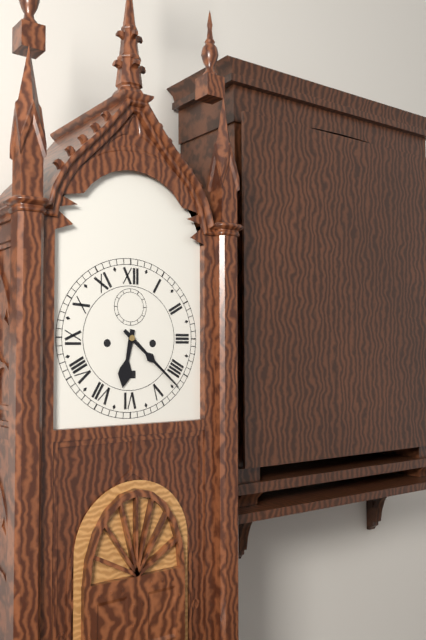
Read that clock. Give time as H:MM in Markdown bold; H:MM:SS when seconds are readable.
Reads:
**6:22**
